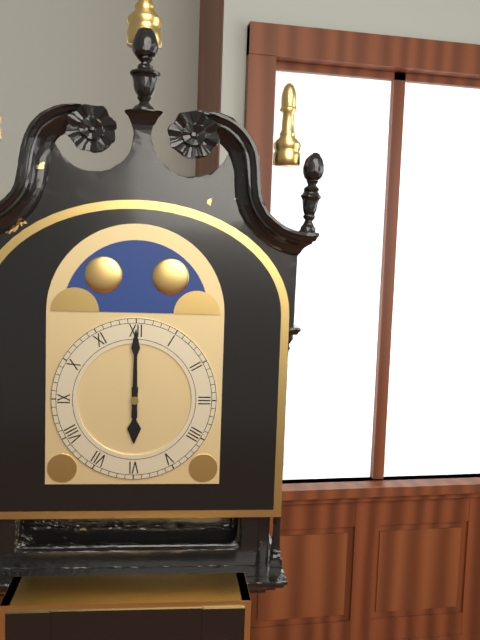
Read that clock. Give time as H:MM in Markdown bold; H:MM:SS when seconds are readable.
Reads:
**6:00**
